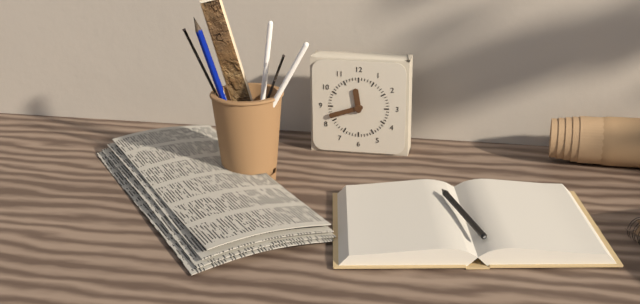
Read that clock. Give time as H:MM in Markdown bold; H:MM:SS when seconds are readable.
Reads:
**11:42**
